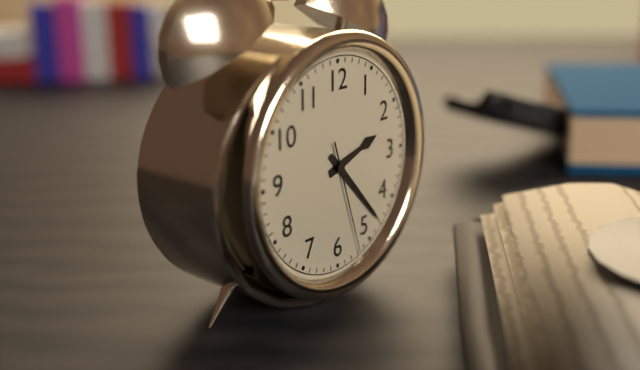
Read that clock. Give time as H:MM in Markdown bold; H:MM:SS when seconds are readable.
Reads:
**2:23:27**
